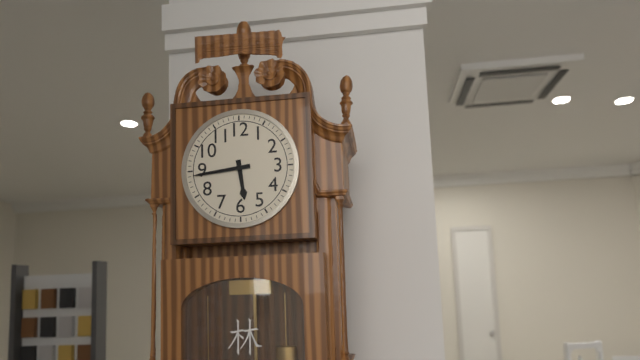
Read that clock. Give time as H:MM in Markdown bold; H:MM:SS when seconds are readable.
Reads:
**5:44**
